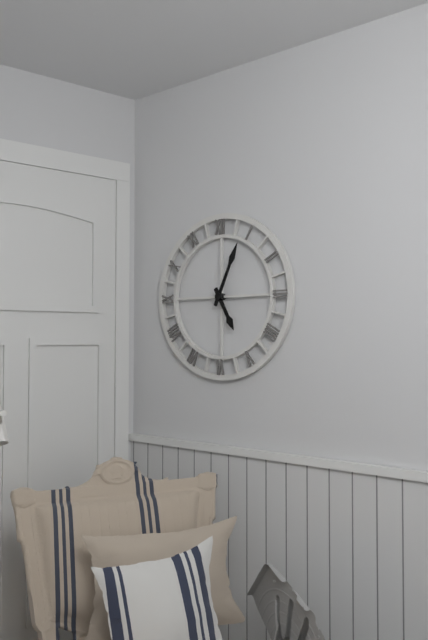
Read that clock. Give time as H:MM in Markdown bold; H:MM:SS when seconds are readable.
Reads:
**5:04**
